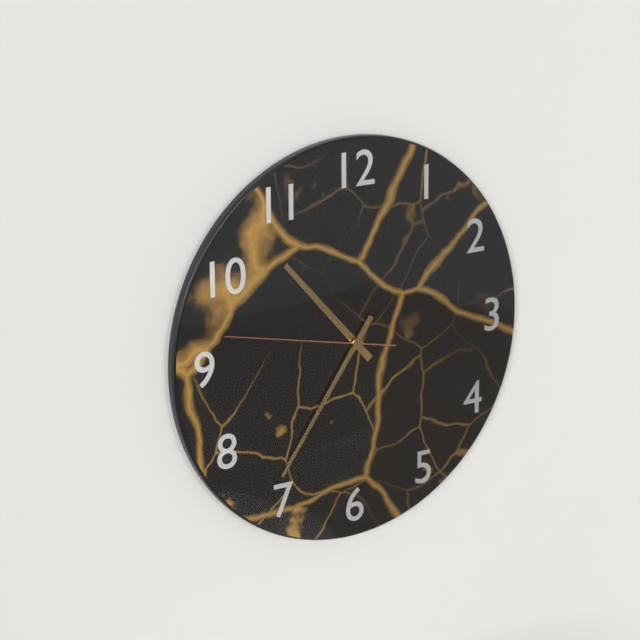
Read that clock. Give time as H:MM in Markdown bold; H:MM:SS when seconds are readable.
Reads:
**10:36:47**
